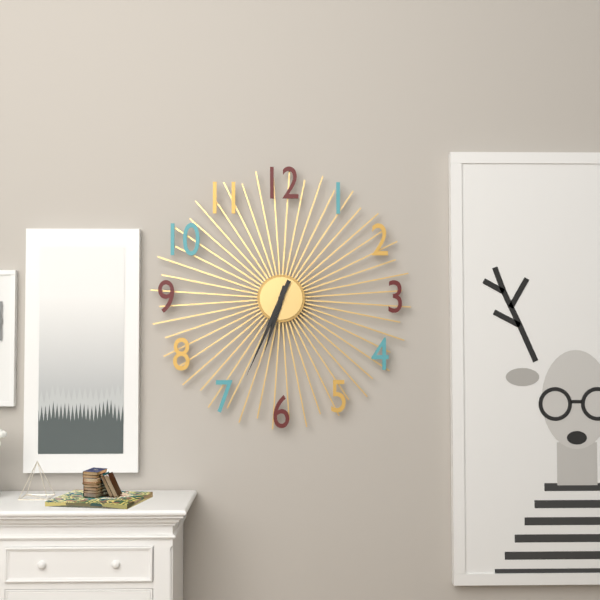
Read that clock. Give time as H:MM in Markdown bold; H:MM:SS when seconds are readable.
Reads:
**6:34**
